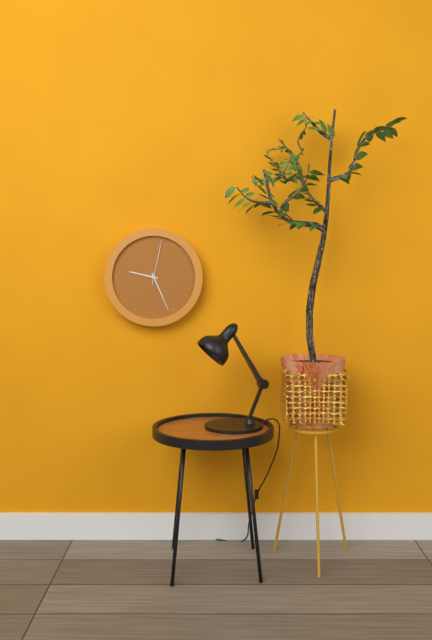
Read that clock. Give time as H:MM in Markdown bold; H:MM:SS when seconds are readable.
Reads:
**9:26**
